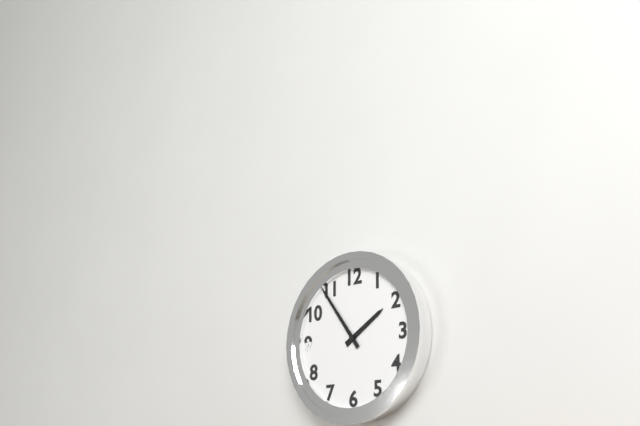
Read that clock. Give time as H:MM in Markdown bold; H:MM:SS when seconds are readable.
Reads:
**1:54**
